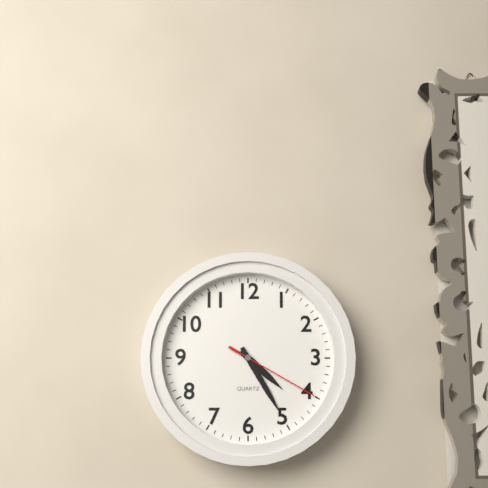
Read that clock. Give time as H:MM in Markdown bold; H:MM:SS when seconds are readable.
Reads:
**4:25:20**
